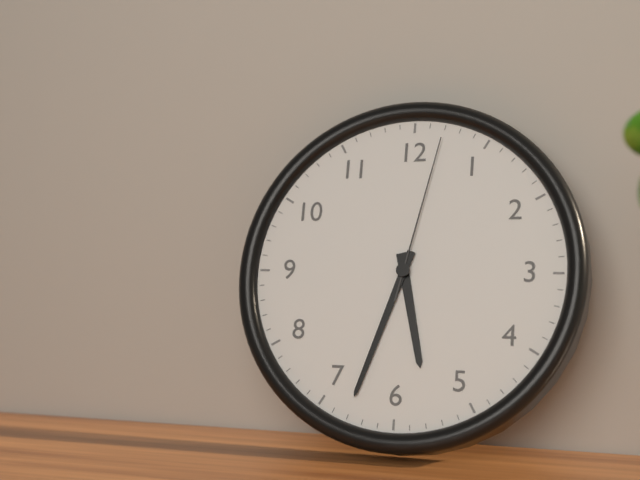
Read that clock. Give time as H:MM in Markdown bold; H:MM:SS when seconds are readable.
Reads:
**5:33:02**
